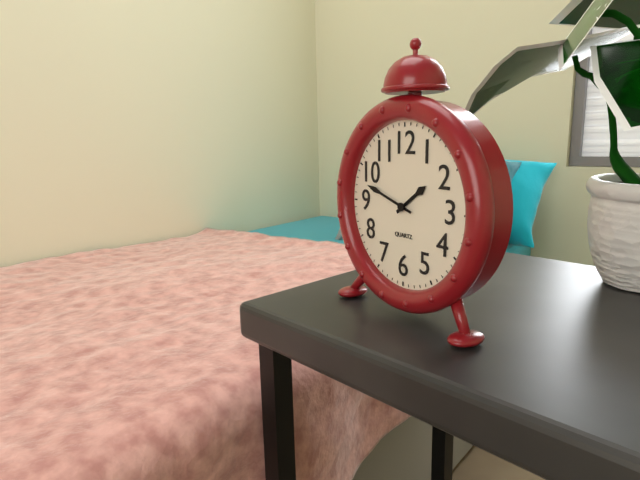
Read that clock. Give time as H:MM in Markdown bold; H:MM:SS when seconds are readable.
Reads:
**1:48**
